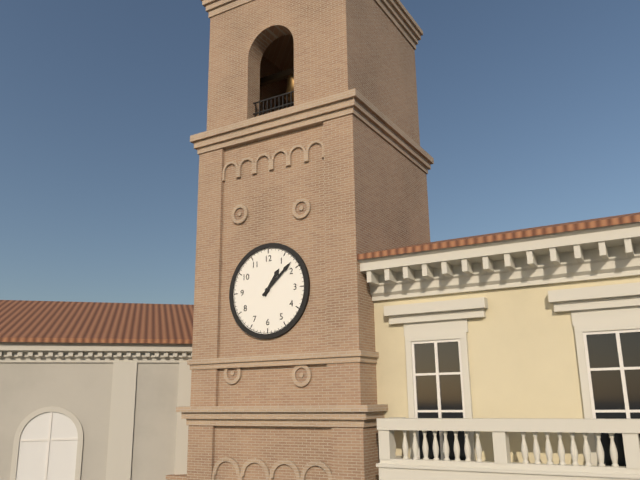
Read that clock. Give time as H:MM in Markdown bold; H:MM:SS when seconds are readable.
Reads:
**1:08**
